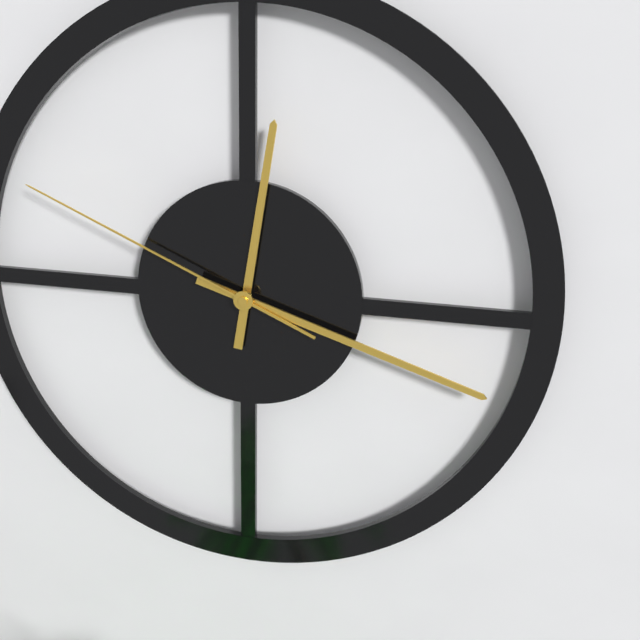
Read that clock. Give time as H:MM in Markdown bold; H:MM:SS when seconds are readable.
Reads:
**12:18:49**
